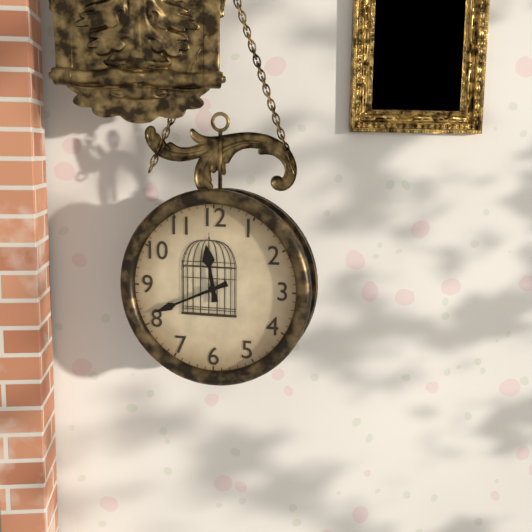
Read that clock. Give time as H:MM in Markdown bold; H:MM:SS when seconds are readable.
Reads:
**11:41**
